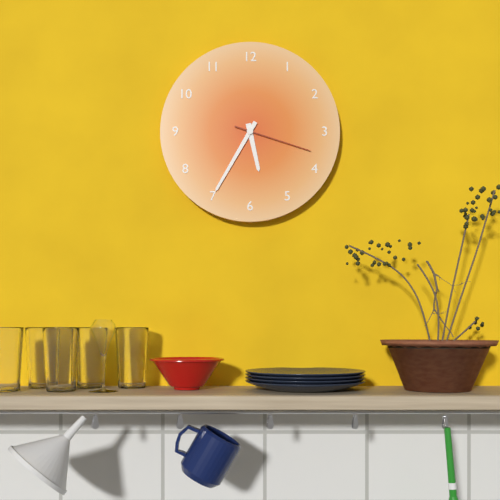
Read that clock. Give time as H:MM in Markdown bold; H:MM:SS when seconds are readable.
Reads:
**5:35:18**
